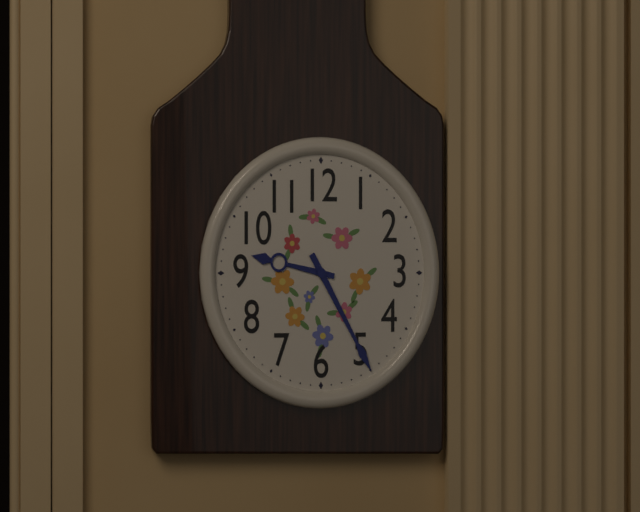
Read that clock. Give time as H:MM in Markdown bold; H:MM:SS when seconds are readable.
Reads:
**9:25**
